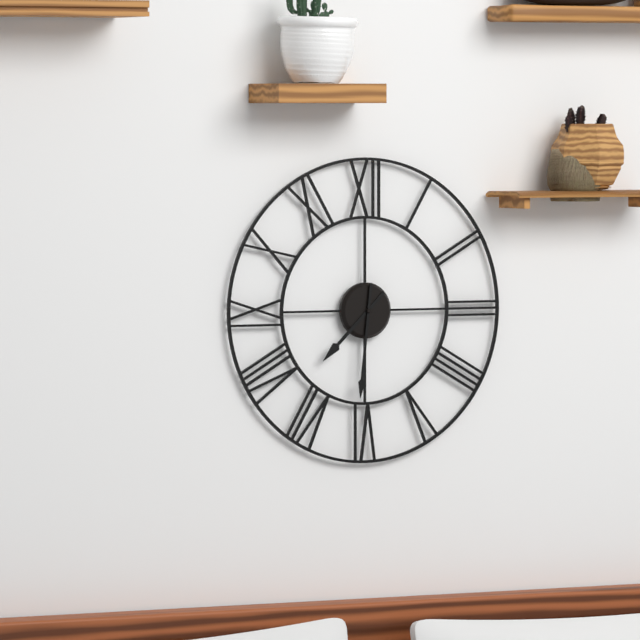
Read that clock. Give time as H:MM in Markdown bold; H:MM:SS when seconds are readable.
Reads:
**7:31**
